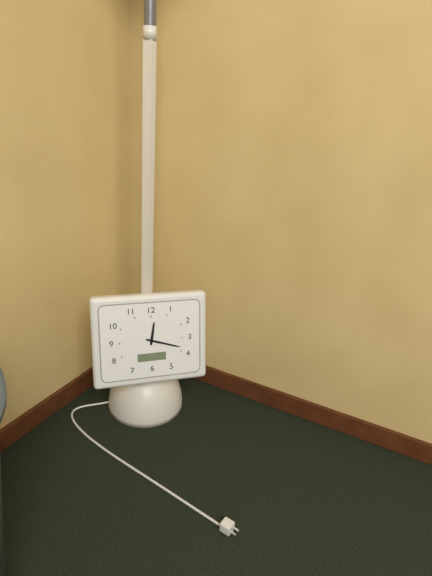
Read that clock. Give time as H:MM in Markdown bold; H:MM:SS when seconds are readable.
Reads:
**12:18**
